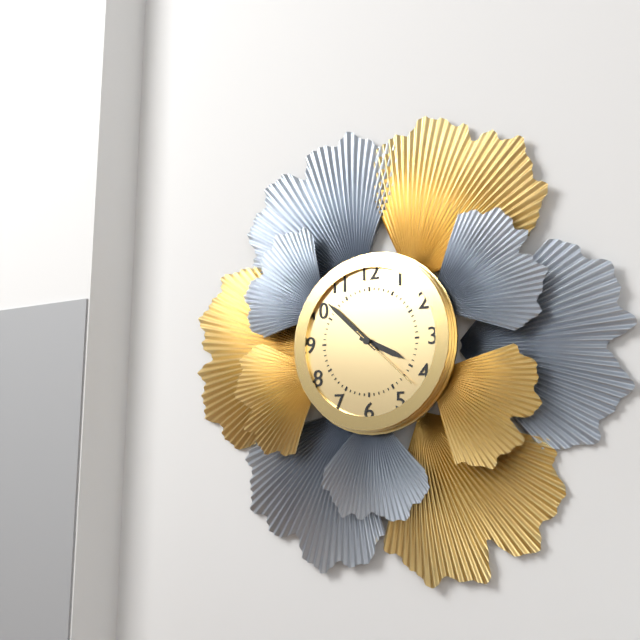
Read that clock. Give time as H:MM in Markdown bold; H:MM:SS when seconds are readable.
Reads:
**3:52:22**
